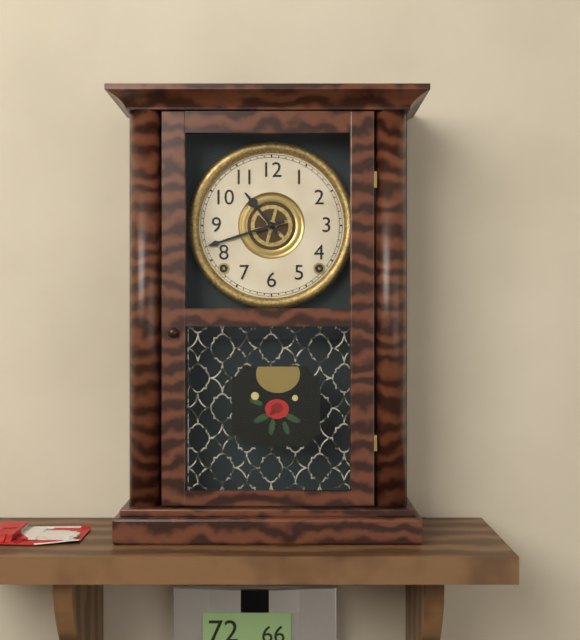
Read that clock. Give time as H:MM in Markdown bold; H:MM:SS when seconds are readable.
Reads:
**10:42**
